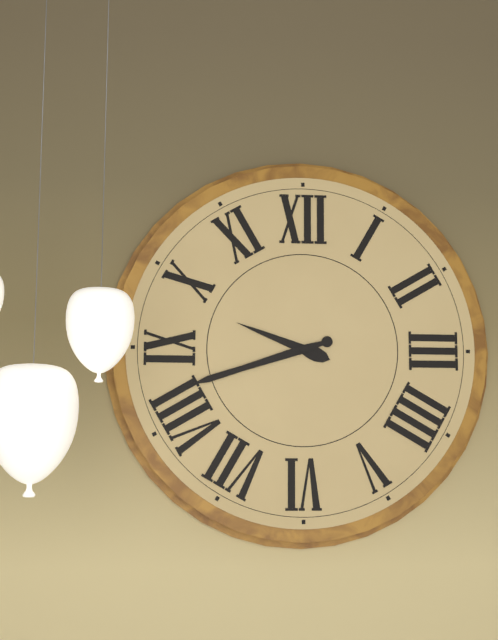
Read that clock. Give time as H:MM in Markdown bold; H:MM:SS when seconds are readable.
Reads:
**9:42**
